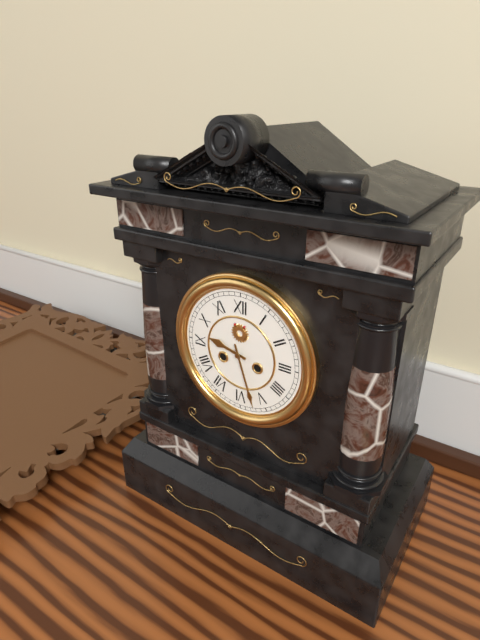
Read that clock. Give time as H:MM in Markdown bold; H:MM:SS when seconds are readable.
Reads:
**9:27**
